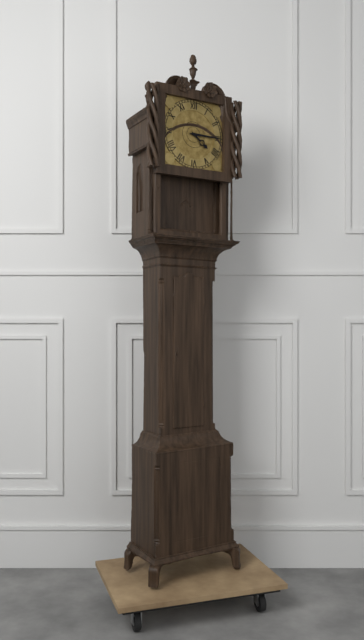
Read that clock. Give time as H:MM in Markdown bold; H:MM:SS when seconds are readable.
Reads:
**4:15**
